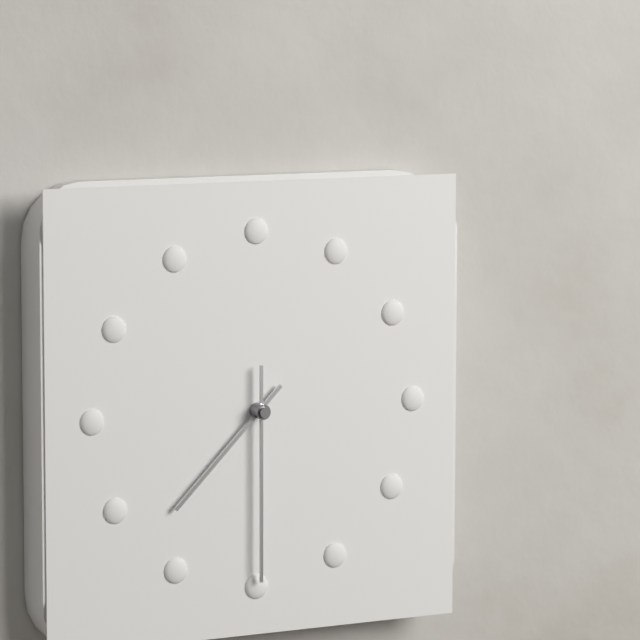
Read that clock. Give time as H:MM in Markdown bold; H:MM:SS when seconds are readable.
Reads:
**7:30**
